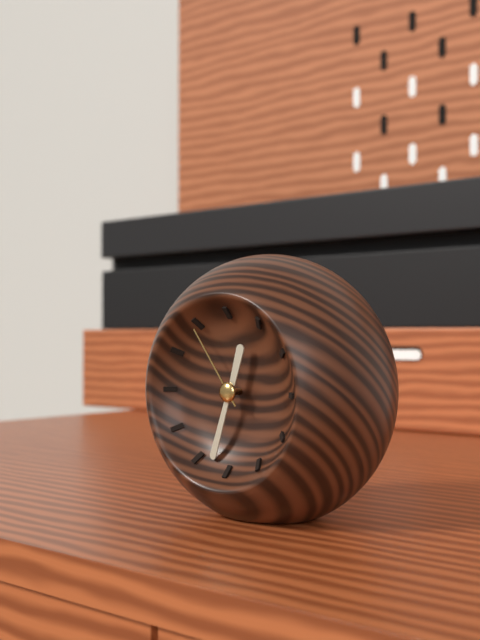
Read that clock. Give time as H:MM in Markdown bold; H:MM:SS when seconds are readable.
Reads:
**12:33:54**
